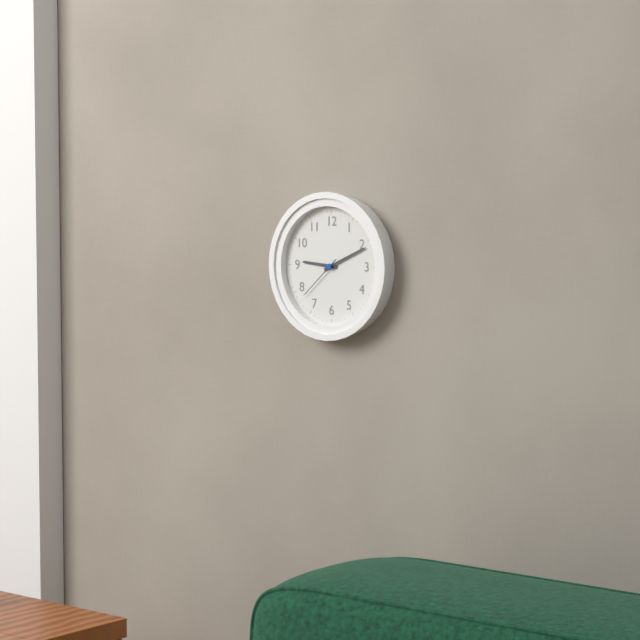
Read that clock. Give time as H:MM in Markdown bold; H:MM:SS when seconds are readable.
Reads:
**9:11**
